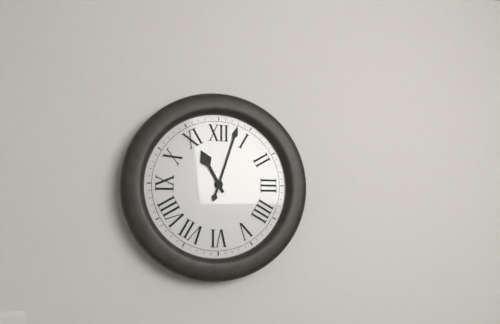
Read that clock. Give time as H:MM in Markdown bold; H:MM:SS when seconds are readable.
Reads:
**11:03**
